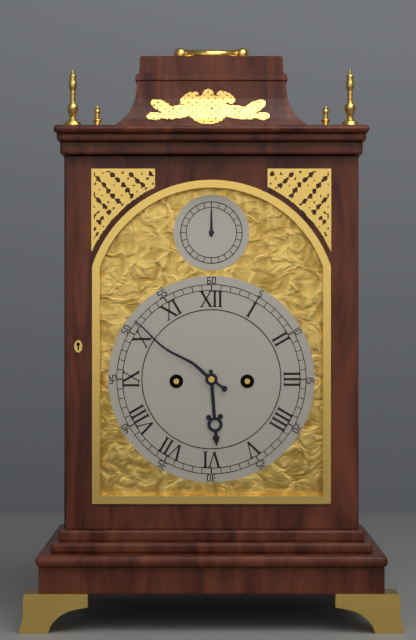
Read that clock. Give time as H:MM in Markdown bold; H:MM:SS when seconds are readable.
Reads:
**5:51**
